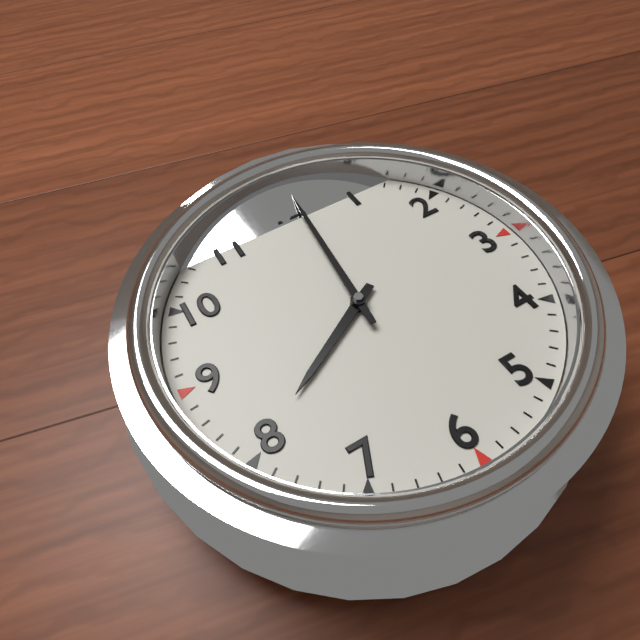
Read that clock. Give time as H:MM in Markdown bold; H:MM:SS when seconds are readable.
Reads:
**8:01**
